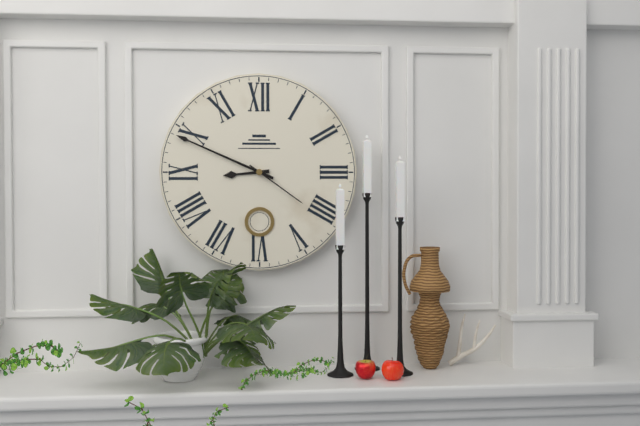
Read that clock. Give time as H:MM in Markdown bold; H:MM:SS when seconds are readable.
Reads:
**8:49:21**
